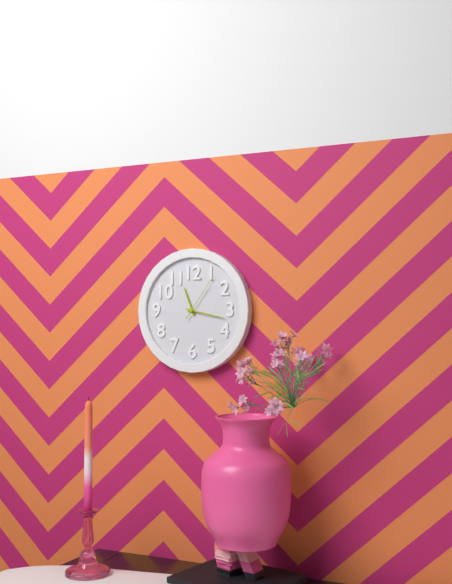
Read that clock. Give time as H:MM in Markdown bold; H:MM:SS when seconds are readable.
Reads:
**11:17:06**
